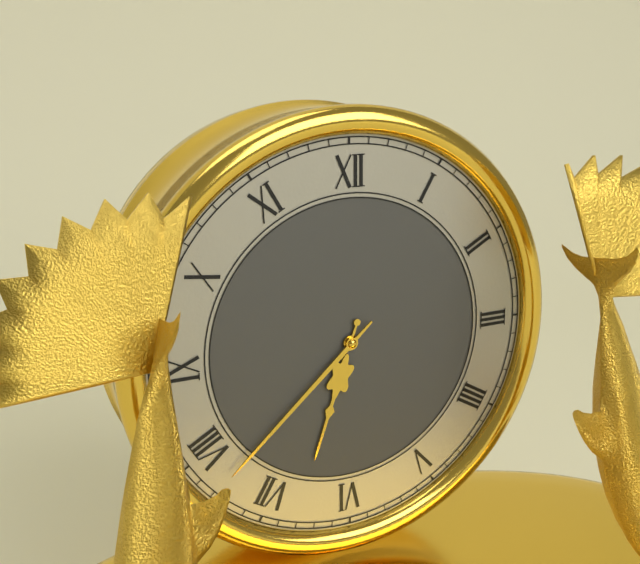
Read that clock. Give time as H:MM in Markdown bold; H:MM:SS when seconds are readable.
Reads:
**6:38**
